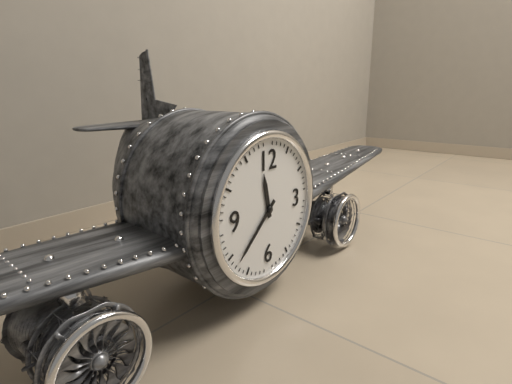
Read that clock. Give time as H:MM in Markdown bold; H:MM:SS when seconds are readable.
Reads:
**11:38**
